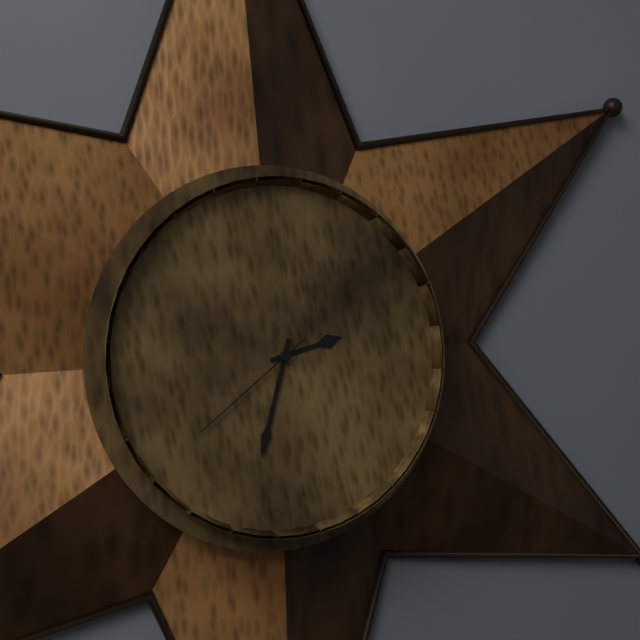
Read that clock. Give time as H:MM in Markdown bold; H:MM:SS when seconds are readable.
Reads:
**2:33:39**
